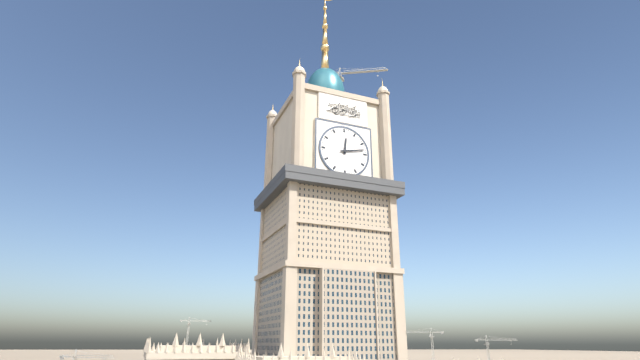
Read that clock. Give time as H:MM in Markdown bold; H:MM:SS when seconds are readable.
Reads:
**12:13**
